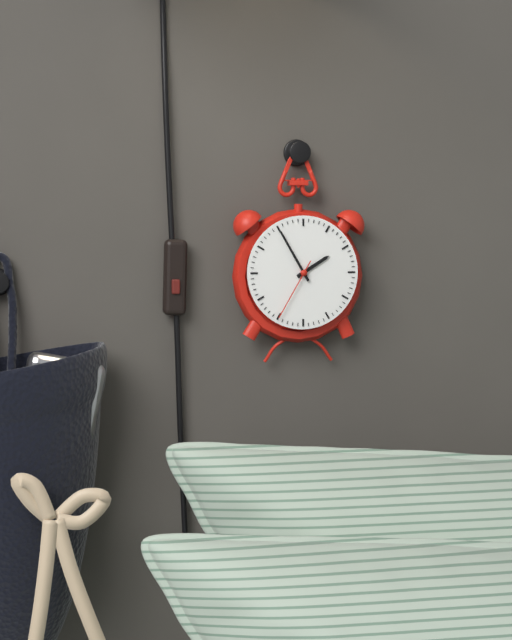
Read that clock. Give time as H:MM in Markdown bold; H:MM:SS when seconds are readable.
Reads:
**1:55:35**
